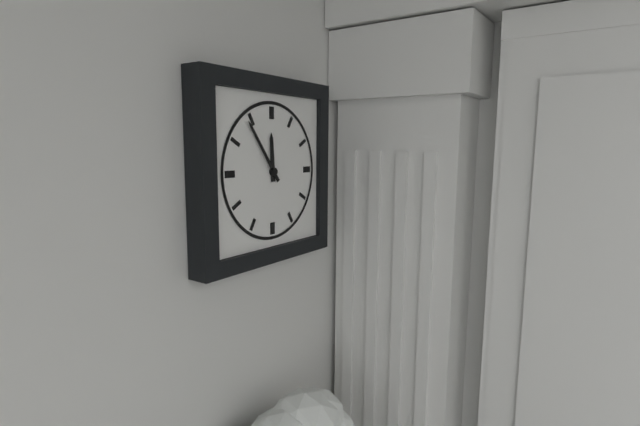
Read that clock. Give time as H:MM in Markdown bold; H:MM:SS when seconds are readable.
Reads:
**11:54**
